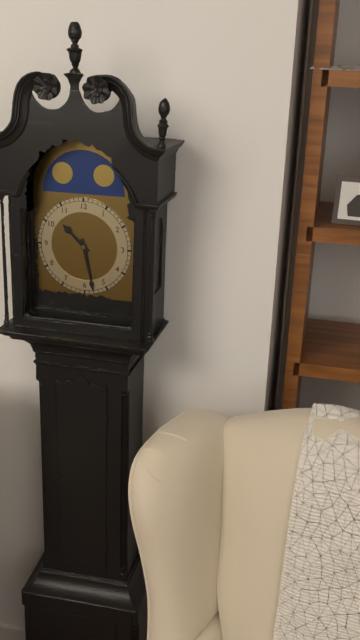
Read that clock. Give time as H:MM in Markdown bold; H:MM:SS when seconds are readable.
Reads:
**10:28**
